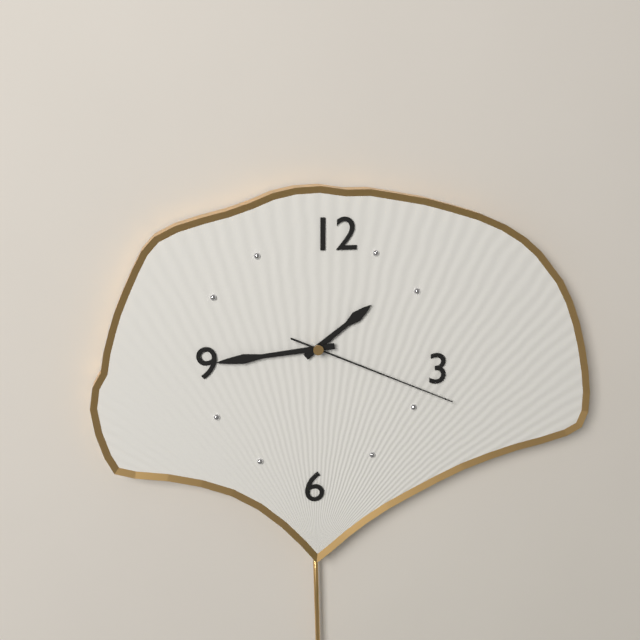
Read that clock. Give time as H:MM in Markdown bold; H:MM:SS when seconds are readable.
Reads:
**1:44:19**
